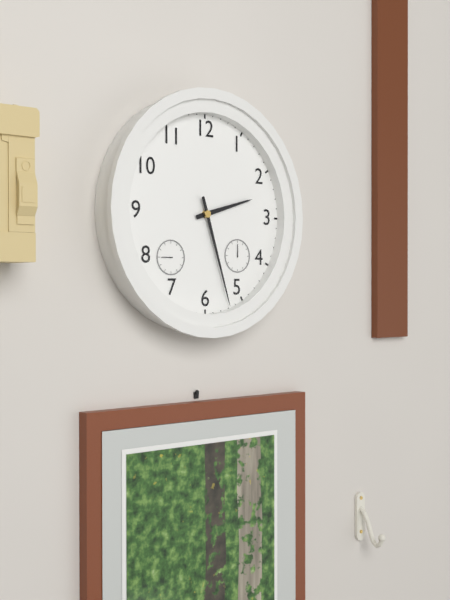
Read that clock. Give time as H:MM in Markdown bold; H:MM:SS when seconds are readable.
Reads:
**2:27**
